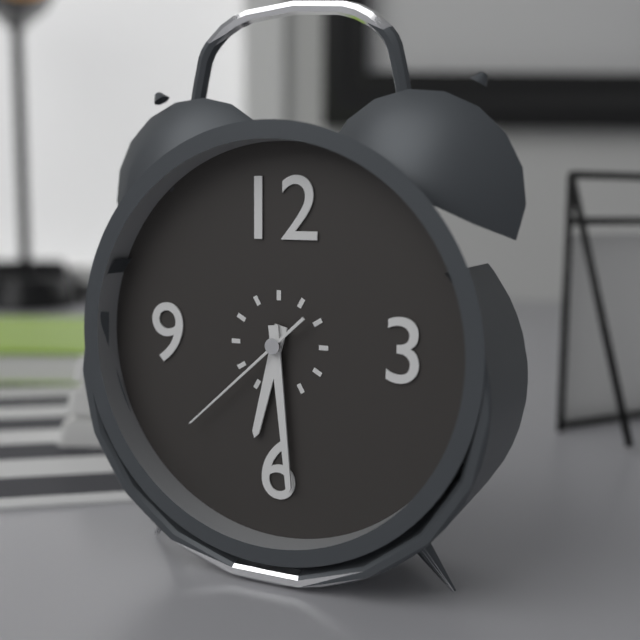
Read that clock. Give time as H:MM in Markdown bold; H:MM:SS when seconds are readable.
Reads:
**6:29:38**
